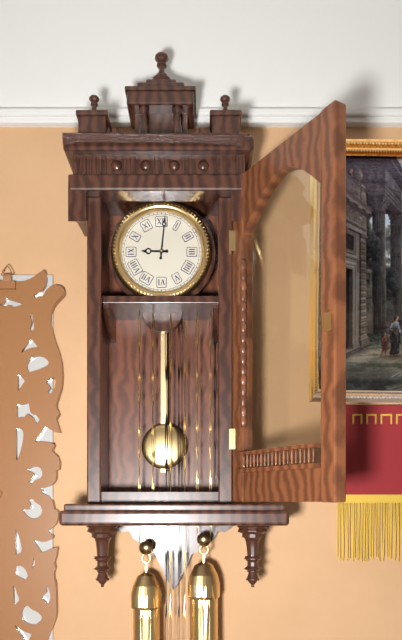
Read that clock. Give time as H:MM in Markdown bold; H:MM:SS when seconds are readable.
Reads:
**9:01**
